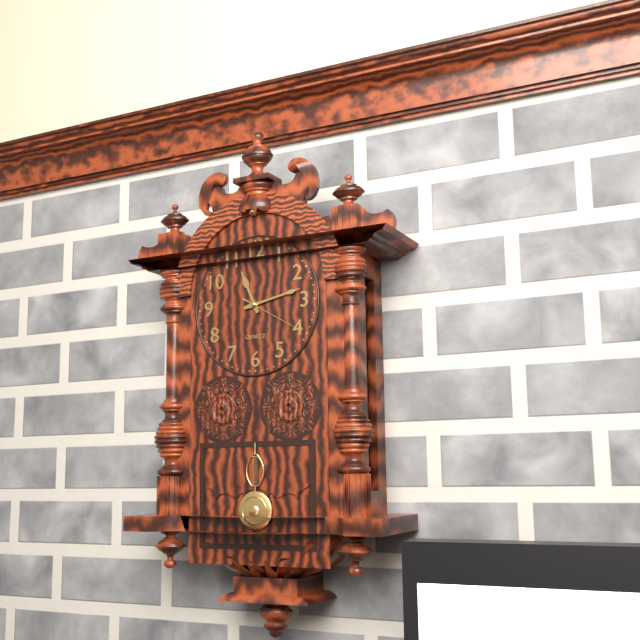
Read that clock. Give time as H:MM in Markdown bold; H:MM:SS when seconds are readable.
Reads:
**11:13:20**
